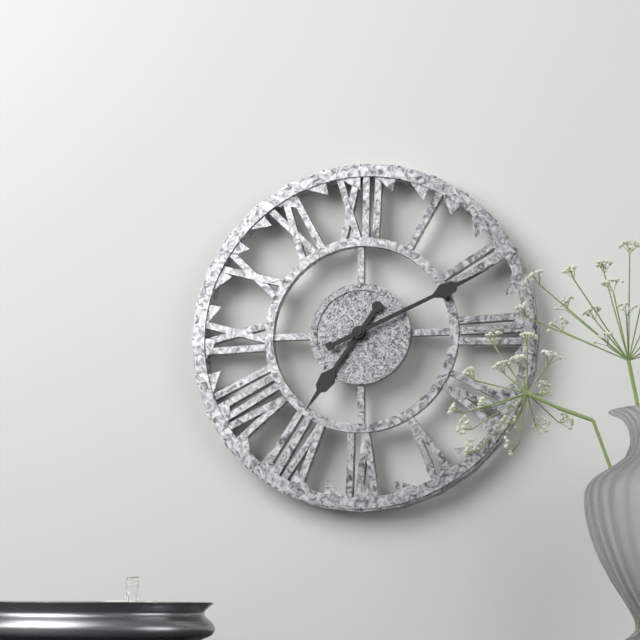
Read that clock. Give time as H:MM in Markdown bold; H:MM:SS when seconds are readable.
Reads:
**7:11**
